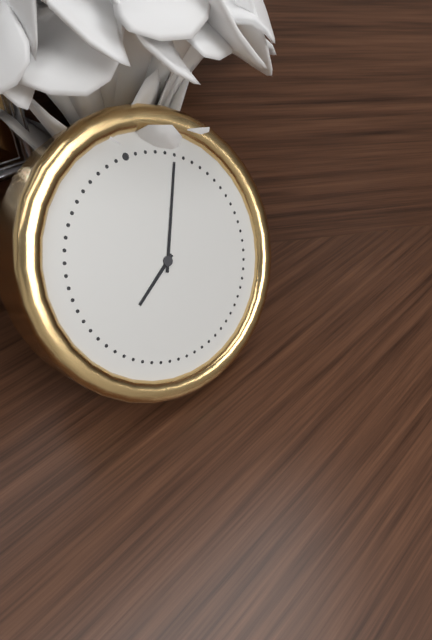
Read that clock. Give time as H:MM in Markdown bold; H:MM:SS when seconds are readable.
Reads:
**8:05**
